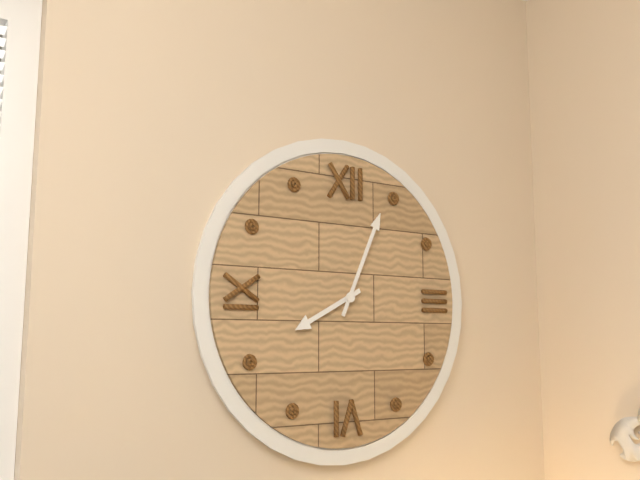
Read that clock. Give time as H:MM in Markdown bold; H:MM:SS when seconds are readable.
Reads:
**8:04**
